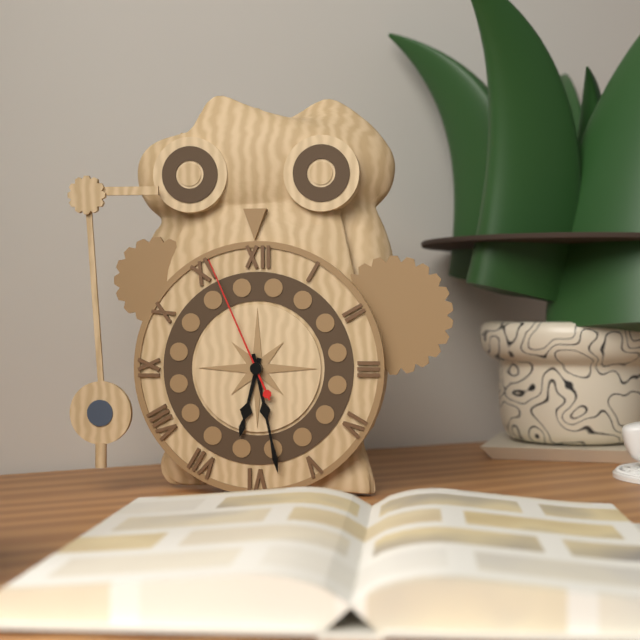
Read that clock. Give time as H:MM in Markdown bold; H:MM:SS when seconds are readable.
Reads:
**6:28:56**
